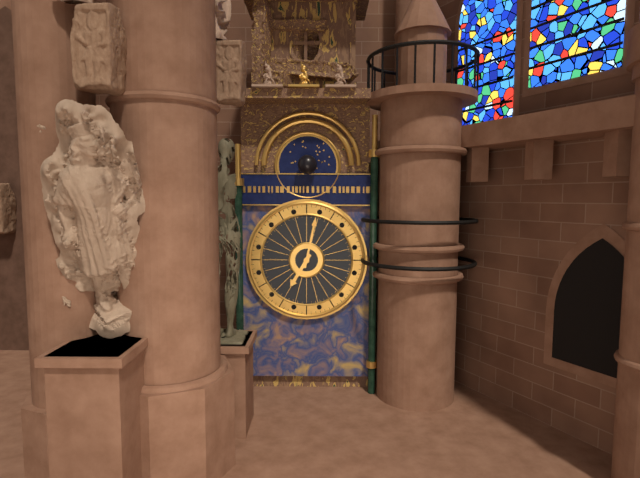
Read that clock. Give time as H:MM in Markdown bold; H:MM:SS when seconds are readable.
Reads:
**7:02**
